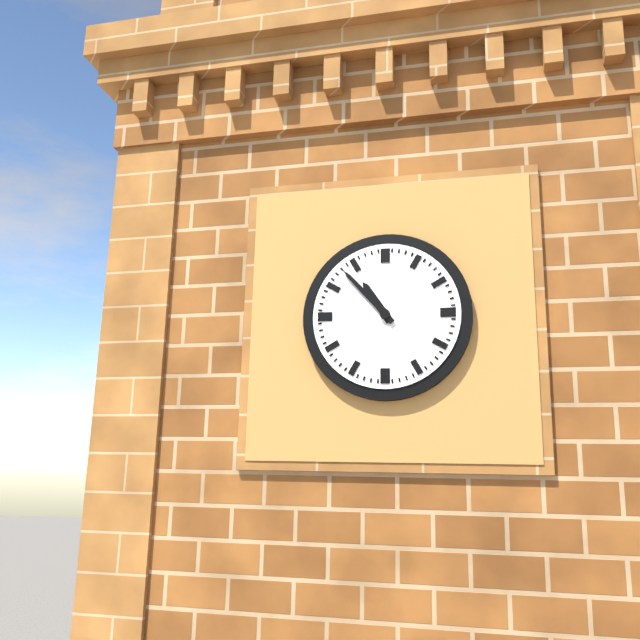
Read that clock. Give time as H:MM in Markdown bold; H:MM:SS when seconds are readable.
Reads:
**10:53**
